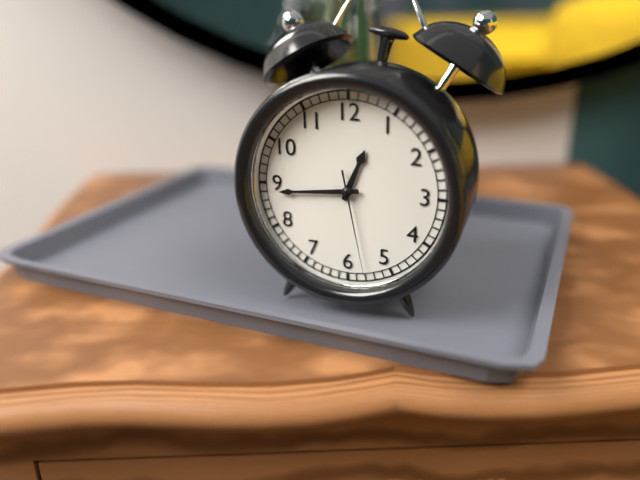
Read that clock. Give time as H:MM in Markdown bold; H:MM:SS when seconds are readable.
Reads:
**12:44:28**
